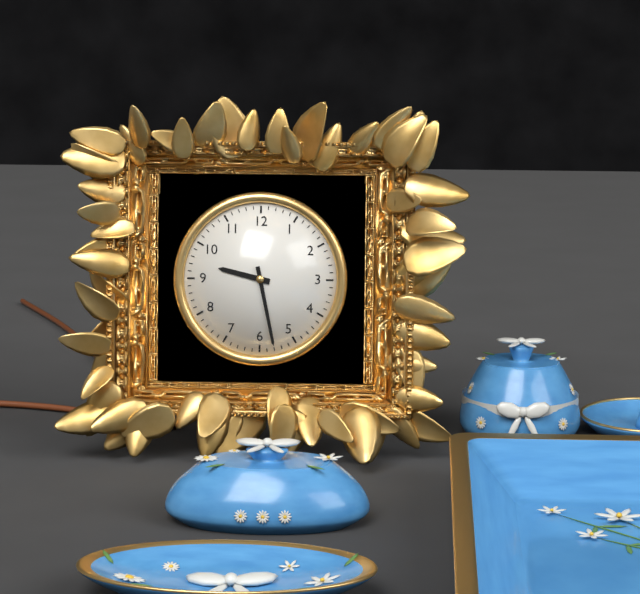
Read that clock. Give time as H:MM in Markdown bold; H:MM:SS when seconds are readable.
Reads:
**9:28**
